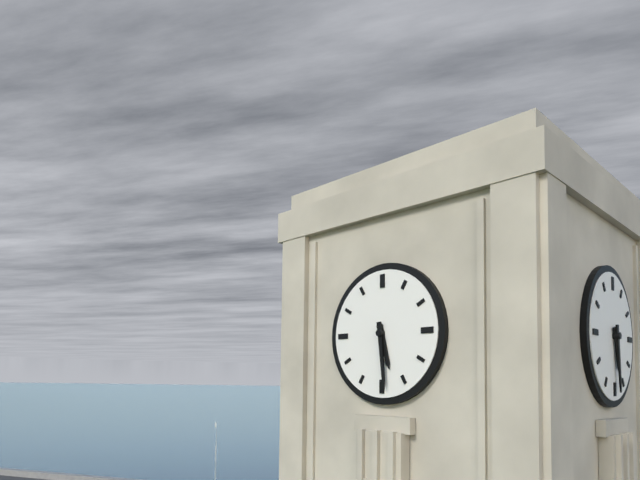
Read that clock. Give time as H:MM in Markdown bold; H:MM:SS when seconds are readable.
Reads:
**5:29**
